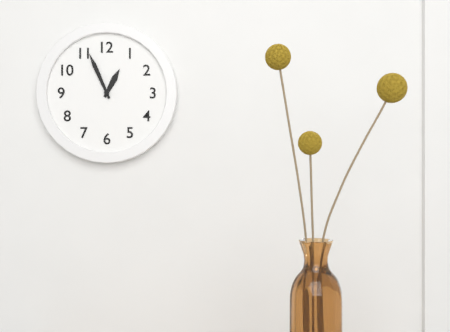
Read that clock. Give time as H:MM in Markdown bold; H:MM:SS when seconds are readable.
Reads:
**12:56**
